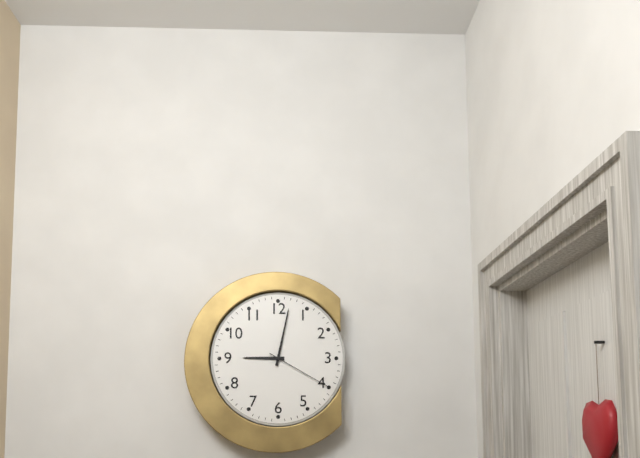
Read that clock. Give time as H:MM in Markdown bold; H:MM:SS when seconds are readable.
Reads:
**9:02:20**
